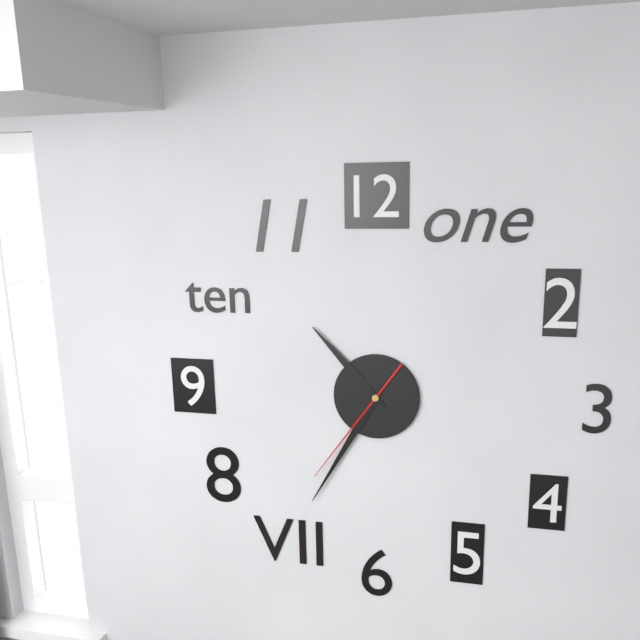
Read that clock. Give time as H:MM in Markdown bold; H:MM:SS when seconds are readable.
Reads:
**10:35:36**
